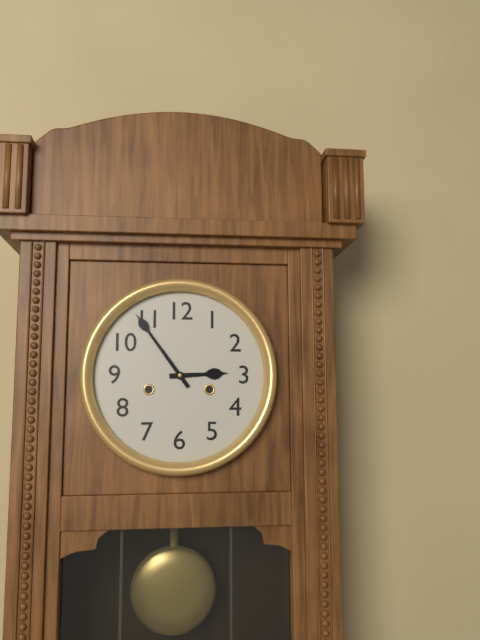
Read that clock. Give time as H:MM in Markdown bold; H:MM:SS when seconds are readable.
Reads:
**2:54**
